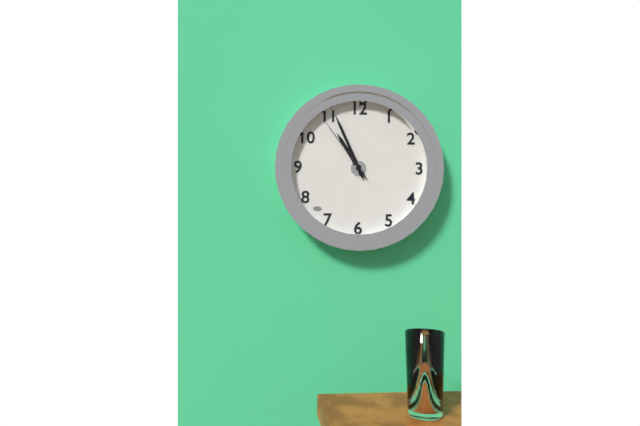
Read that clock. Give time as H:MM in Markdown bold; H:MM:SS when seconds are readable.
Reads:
**10:56:54**
